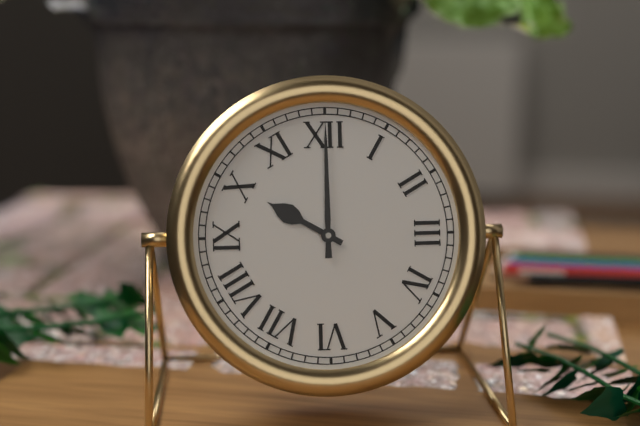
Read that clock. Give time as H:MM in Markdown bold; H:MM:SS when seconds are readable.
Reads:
**10:00**
